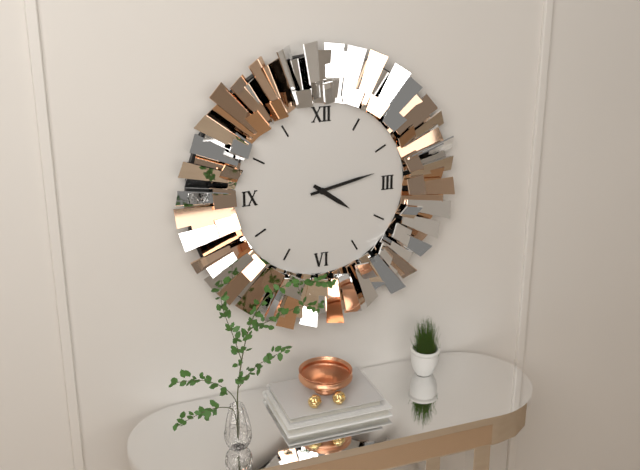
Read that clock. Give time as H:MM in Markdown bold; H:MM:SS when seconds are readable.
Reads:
**4:13**
